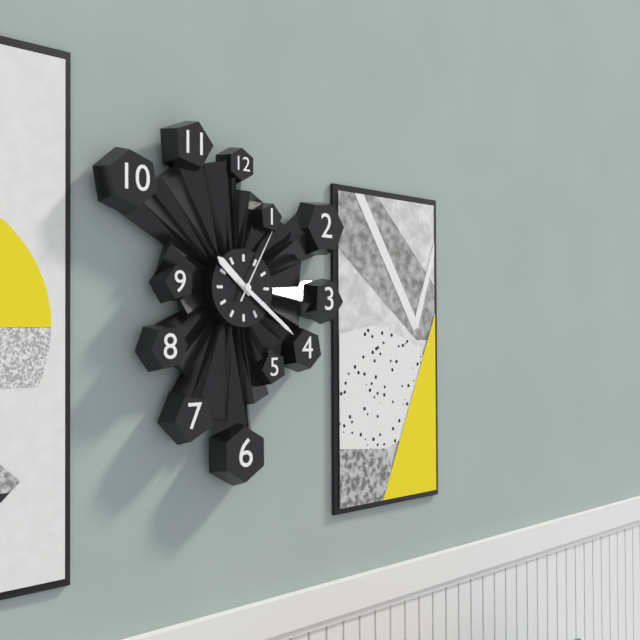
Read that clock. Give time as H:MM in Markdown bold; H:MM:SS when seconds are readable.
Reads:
**10:21:05**
